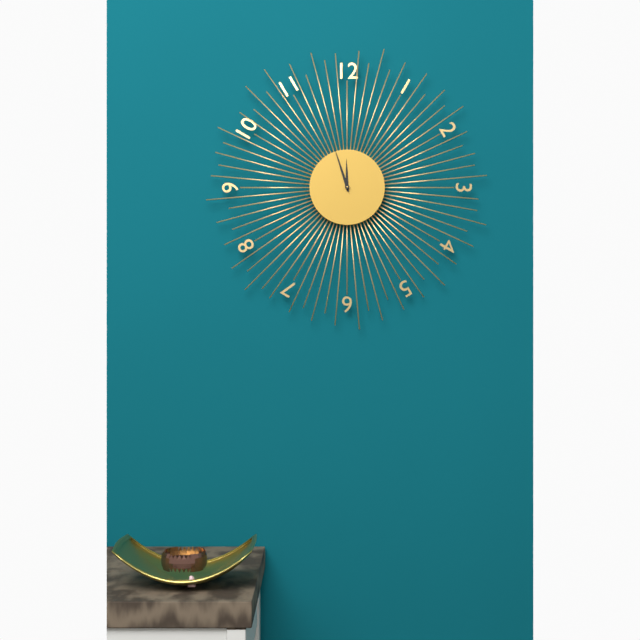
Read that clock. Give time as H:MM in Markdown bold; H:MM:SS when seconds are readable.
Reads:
**11:57**
